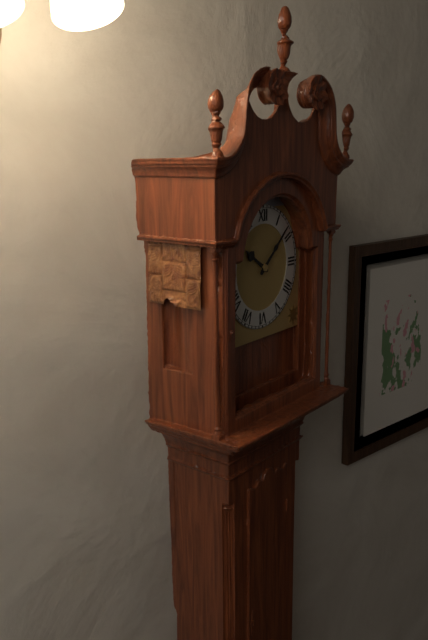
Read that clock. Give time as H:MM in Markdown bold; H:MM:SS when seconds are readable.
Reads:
**10:08**
